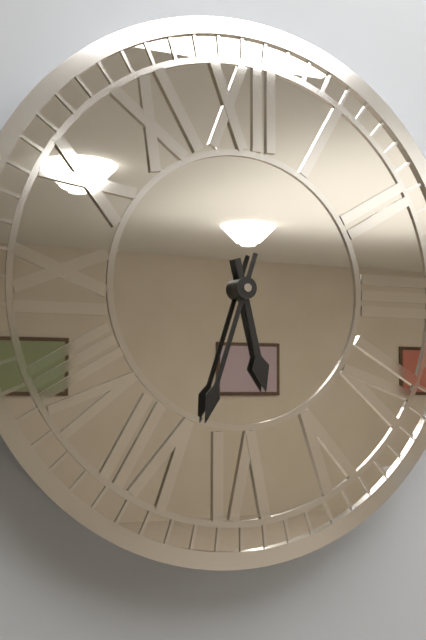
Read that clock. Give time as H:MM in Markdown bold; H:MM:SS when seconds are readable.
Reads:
**5:33**
